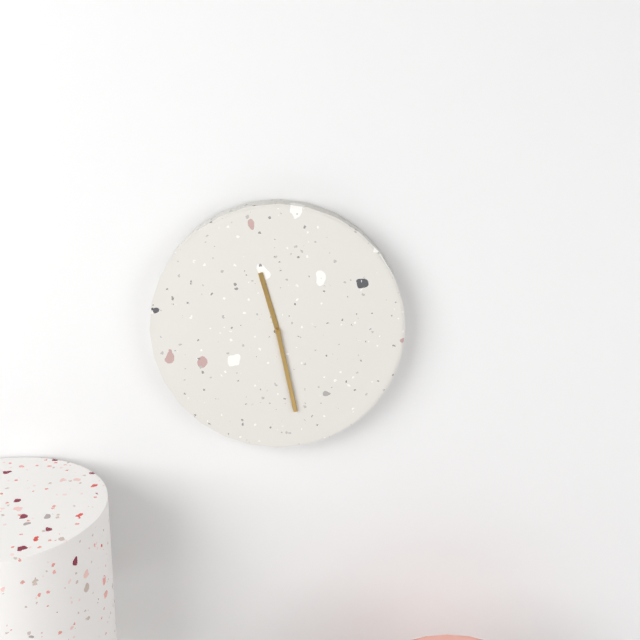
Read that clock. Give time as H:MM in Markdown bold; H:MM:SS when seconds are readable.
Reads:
**11:28**
